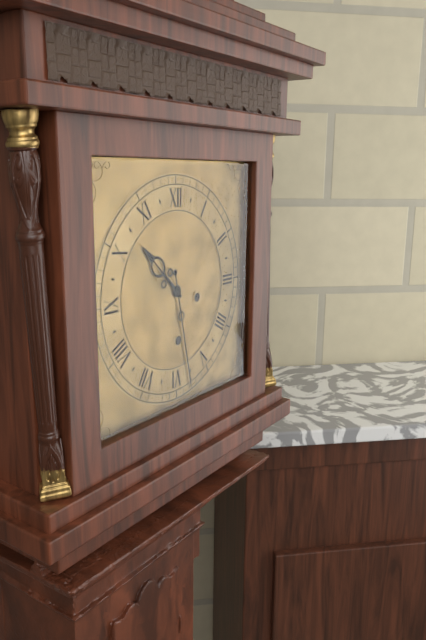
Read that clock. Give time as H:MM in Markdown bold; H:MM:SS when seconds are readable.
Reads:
**10:28**
